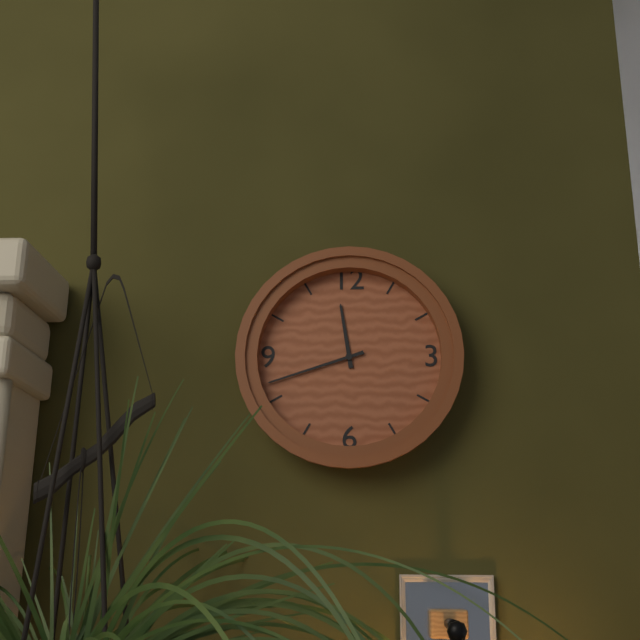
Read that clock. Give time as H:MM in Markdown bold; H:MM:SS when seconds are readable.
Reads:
**11:42**
